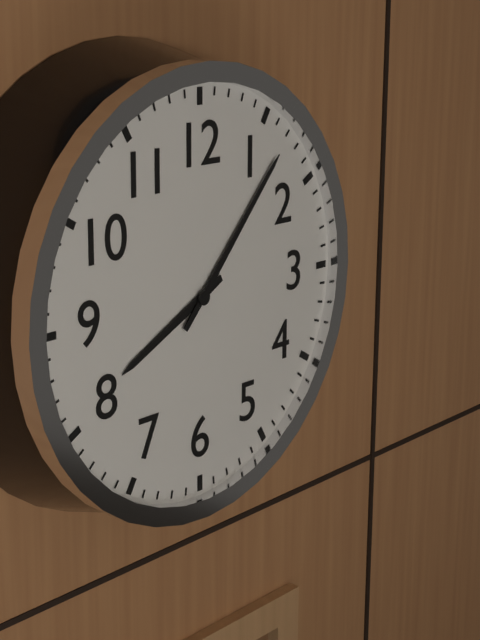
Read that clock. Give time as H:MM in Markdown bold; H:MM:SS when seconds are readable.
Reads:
**8:07**
